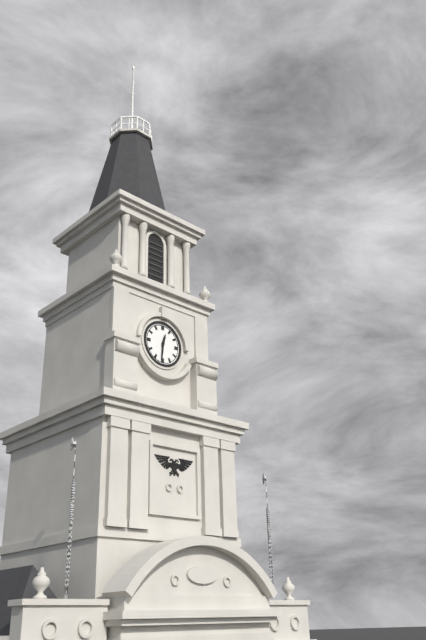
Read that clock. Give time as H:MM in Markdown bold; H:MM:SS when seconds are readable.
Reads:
**12:31**
